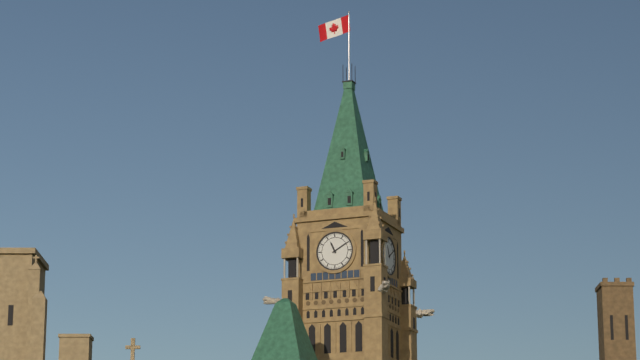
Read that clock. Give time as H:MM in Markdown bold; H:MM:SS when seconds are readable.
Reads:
**11:10**
